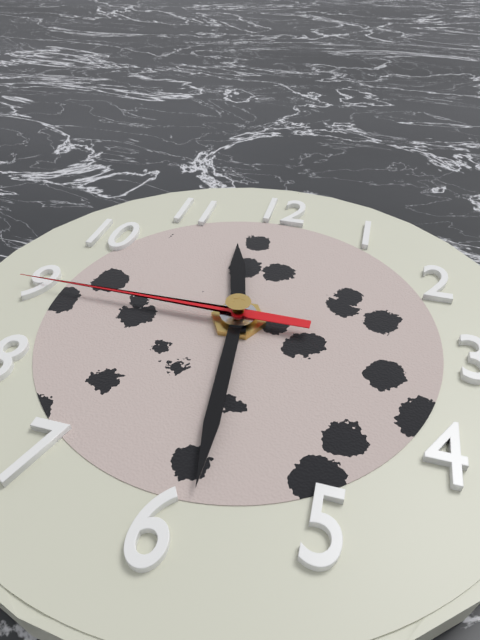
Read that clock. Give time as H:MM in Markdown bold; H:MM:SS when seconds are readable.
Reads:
**11:29:45**
